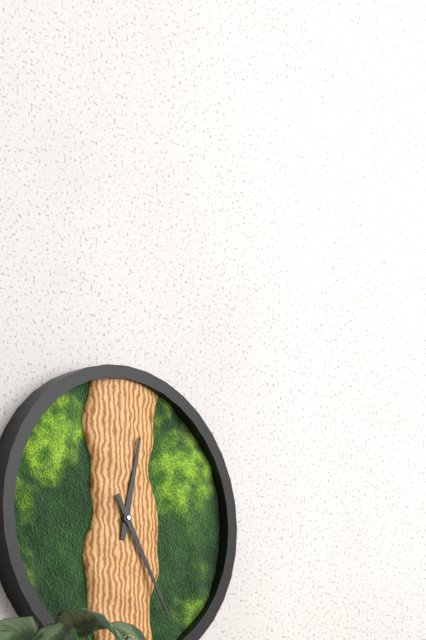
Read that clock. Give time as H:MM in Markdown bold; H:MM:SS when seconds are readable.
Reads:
**12:25**
